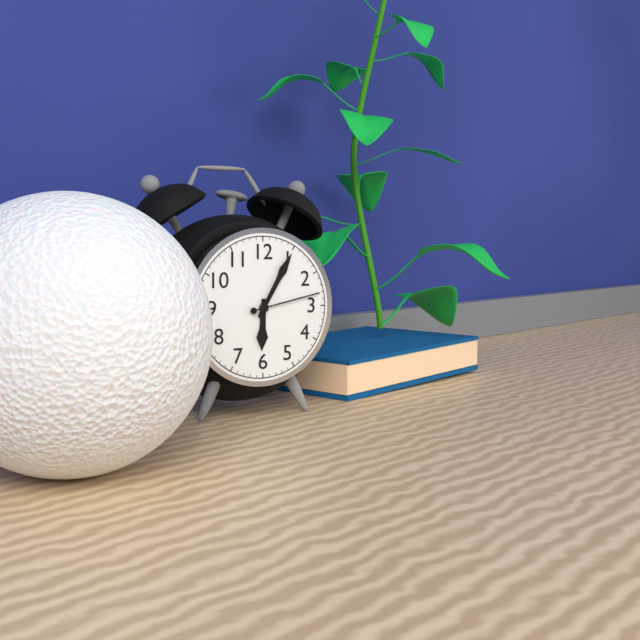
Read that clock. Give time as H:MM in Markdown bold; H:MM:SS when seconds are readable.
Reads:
**6:05:13**
